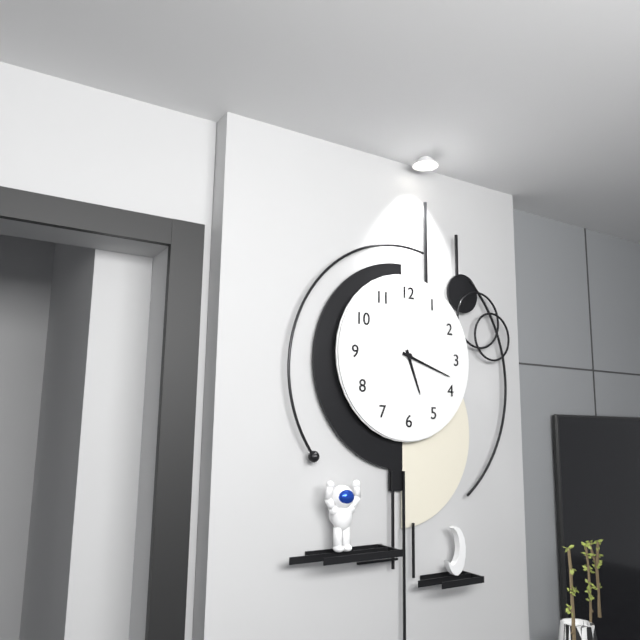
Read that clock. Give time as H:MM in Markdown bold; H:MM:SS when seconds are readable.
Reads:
**5:18**
